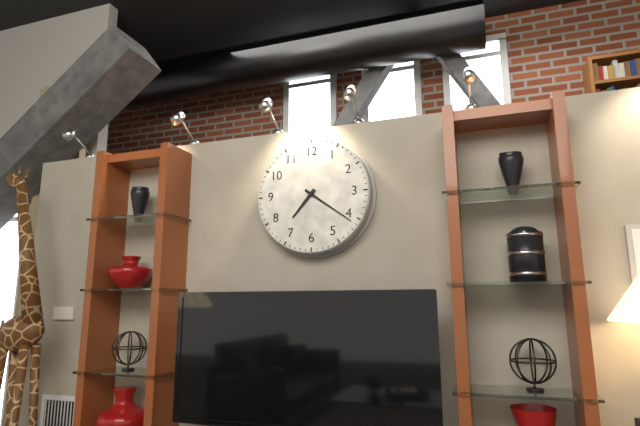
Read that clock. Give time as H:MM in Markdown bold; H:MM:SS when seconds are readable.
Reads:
**7:21**
